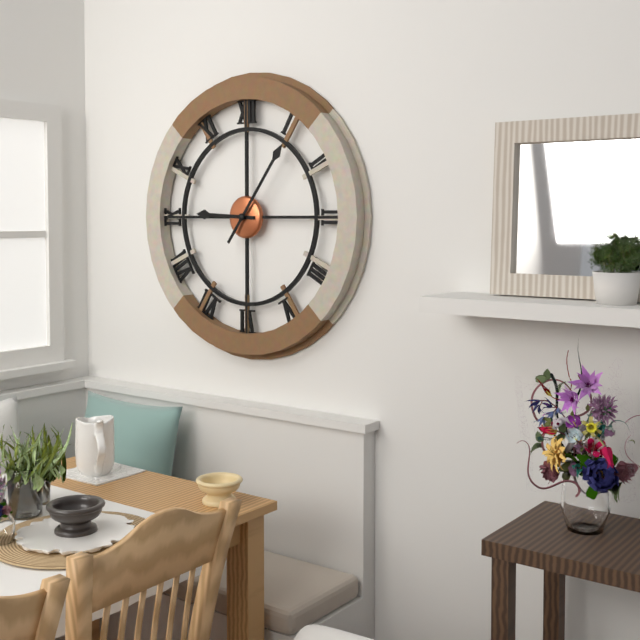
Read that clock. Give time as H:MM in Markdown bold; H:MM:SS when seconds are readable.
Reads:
**9:06**
